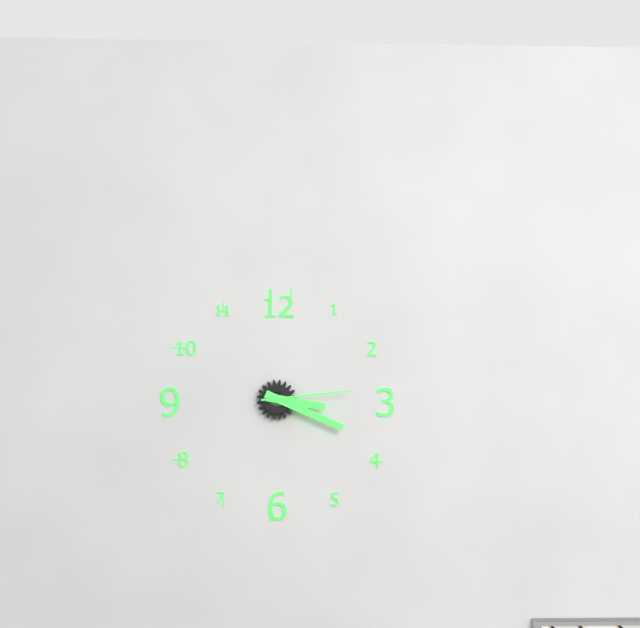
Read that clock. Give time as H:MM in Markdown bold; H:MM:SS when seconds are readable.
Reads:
**3:19:14**
